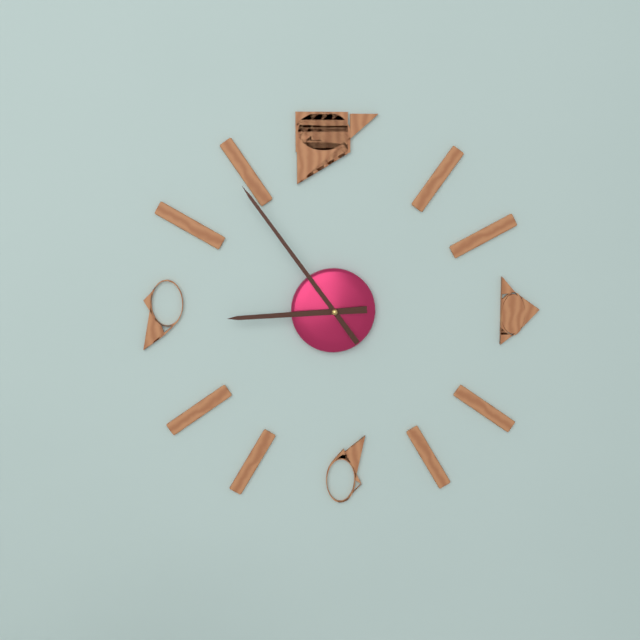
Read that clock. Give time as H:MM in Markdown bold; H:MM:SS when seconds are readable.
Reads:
**8:54**
